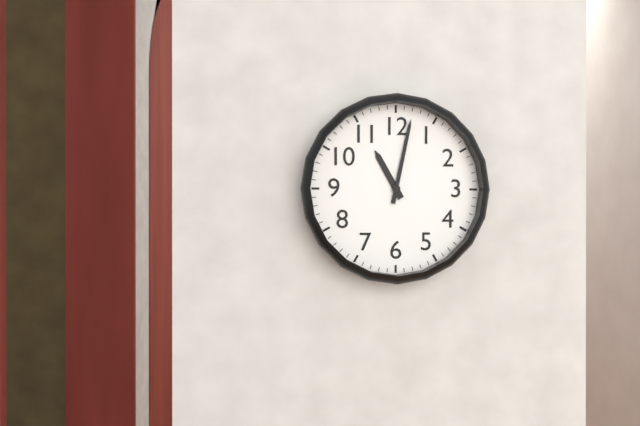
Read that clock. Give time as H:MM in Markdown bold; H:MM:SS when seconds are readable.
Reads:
**11:02**
